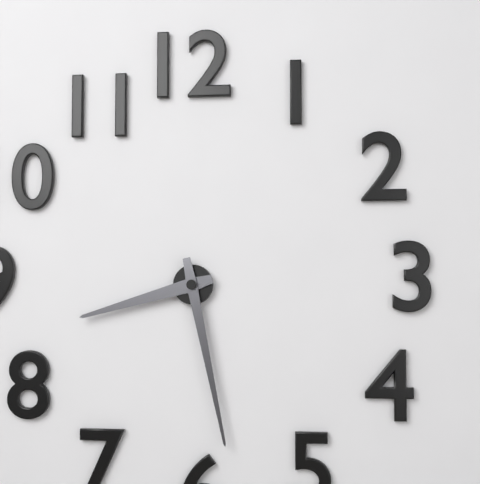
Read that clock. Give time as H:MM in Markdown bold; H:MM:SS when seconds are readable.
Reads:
**8:28**
